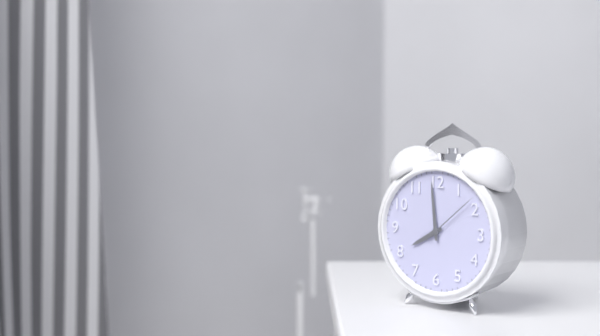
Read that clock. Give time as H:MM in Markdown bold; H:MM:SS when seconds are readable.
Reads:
**7:59:08**
